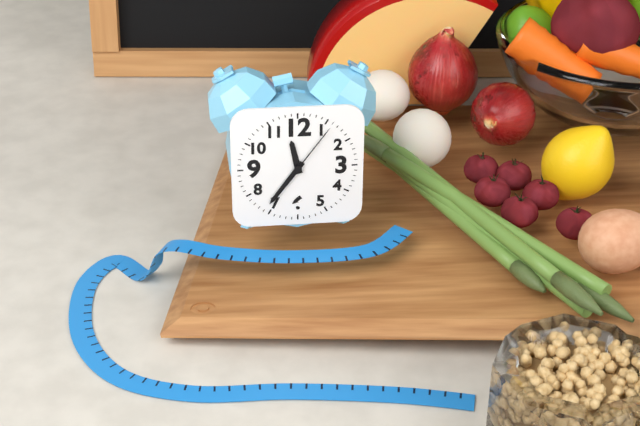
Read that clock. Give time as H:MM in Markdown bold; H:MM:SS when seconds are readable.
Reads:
**11:36:06**
